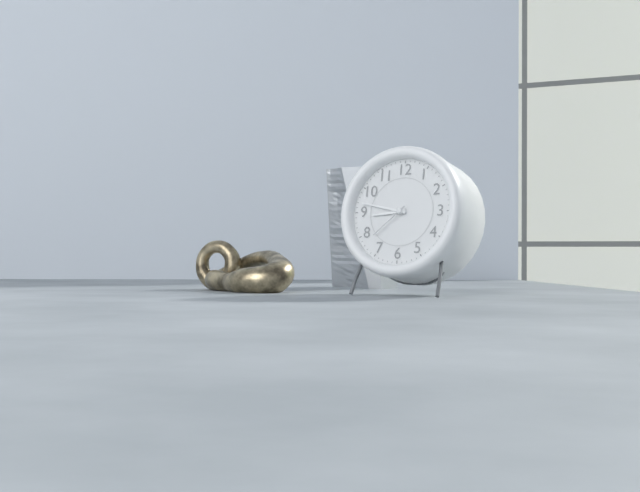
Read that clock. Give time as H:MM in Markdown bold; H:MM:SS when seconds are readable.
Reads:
**8:47**
